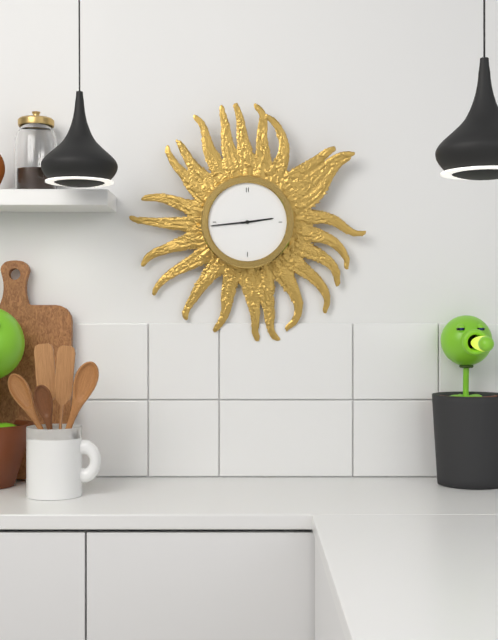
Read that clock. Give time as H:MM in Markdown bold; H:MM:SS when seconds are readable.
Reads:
**2:44**
